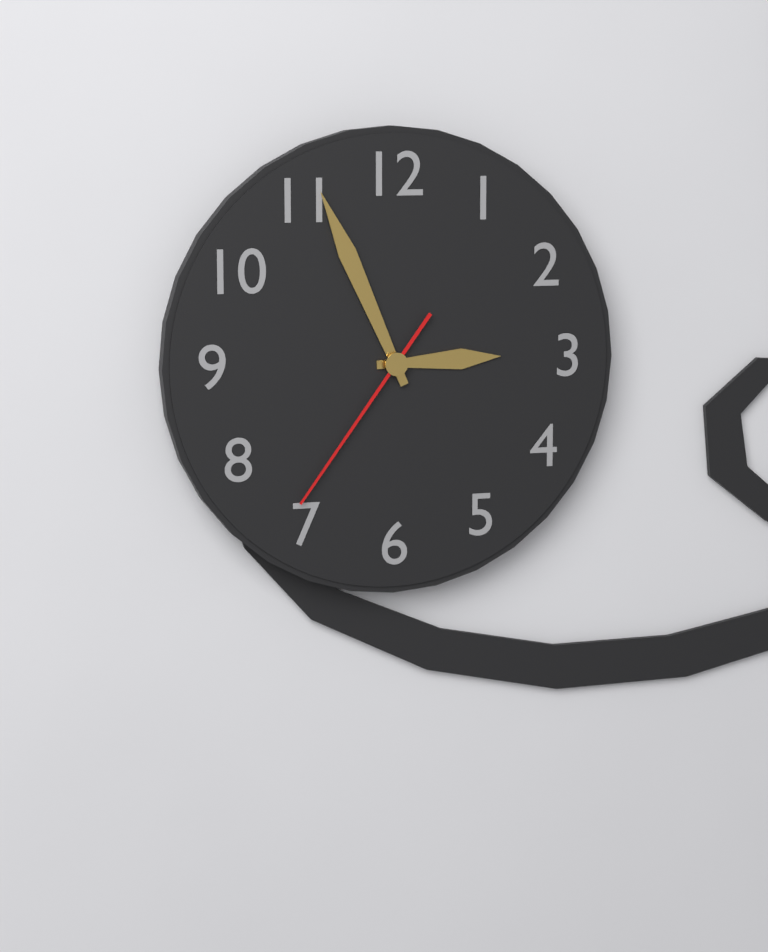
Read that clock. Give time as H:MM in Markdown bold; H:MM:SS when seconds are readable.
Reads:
**2:56:36**
